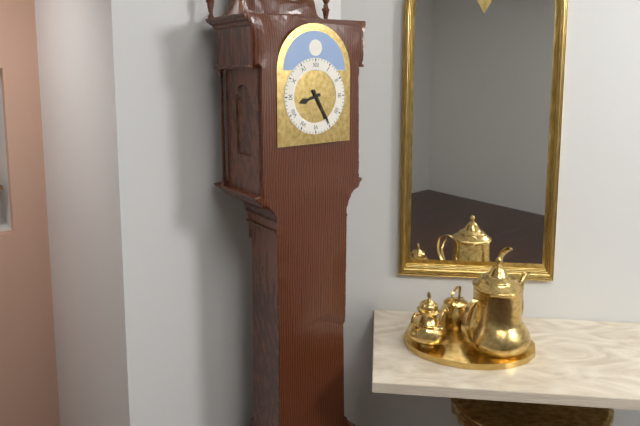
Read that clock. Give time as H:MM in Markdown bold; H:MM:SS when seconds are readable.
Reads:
**8:25**
